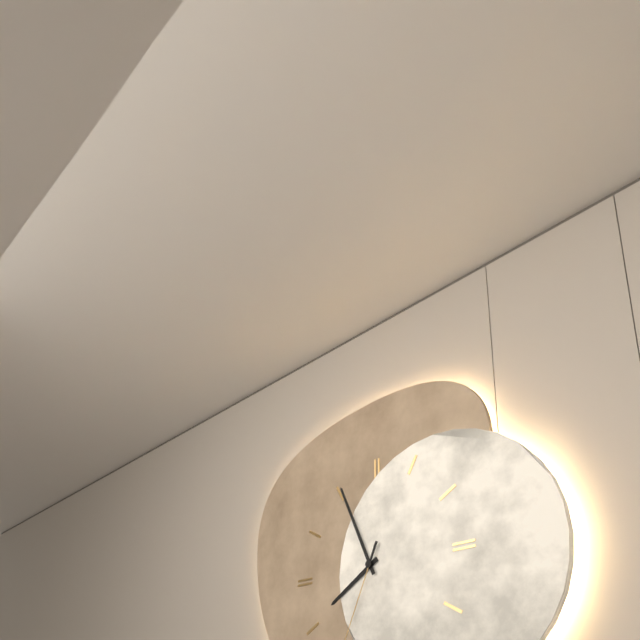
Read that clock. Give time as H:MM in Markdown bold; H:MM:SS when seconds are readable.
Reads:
**7:56**
